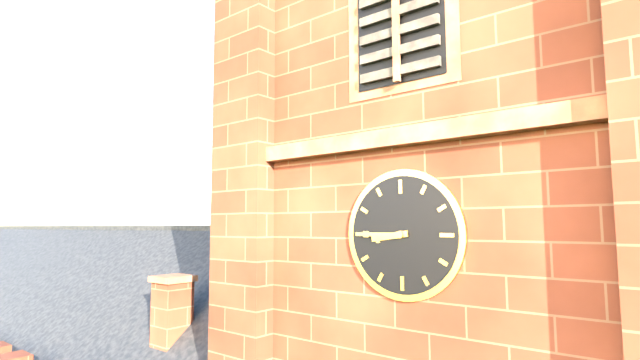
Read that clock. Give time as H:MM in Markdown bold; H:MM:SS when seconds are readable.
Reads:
**8:45**
